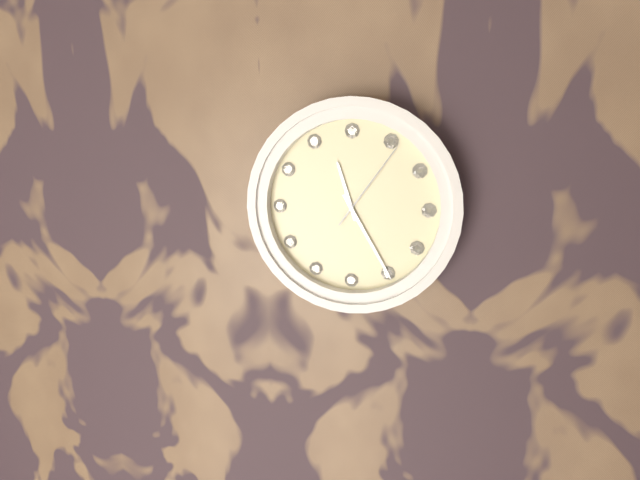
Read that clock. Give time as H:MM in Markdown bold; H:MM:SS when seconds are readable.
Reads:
**11:25:06**
